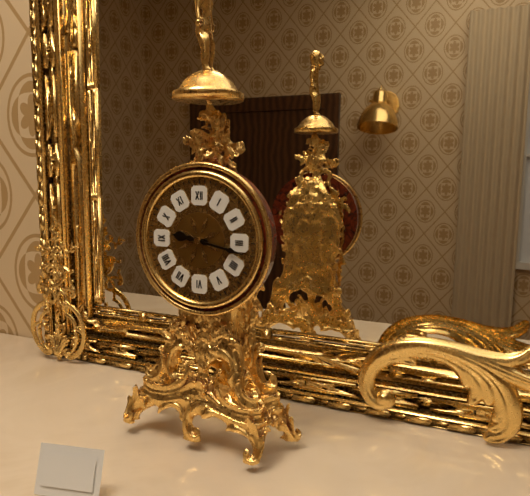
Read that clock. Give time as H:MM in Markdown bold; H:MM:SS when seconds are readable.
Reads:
**9:17**
